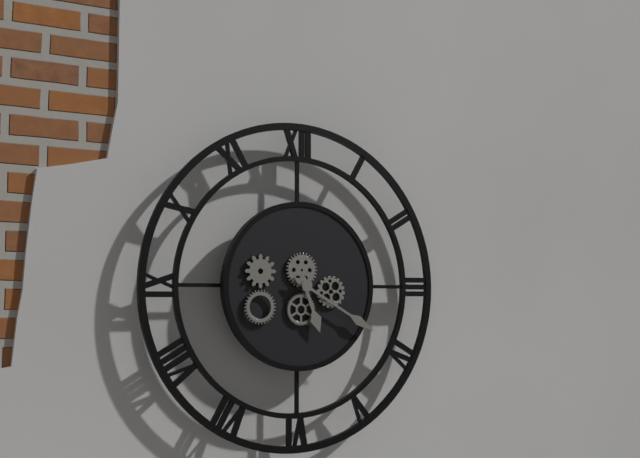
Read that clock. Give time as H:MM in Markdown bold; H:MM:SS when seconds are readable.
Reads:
**5:20**
